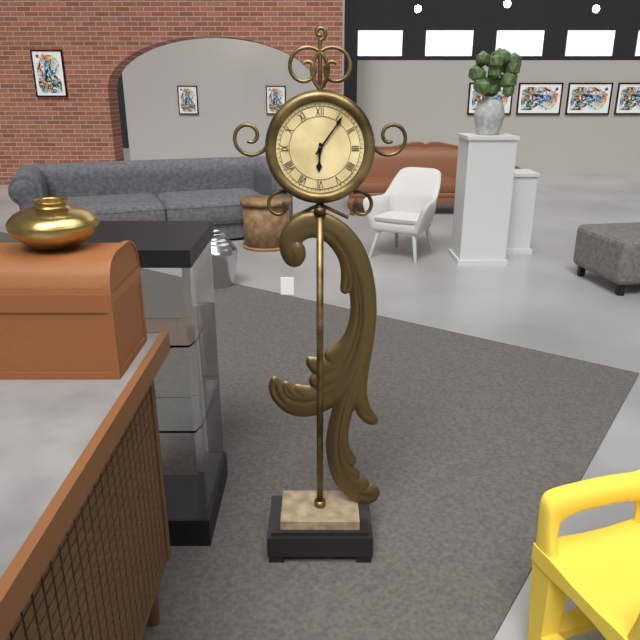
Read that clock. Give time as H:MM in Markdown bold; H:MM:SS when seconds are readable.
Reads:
**6:06**
